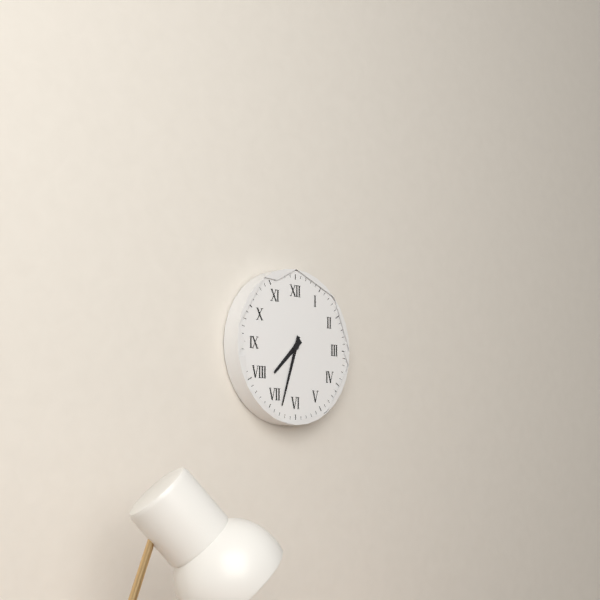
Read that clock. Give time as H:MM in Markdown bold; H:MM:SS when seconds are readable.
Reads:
**7:33**
